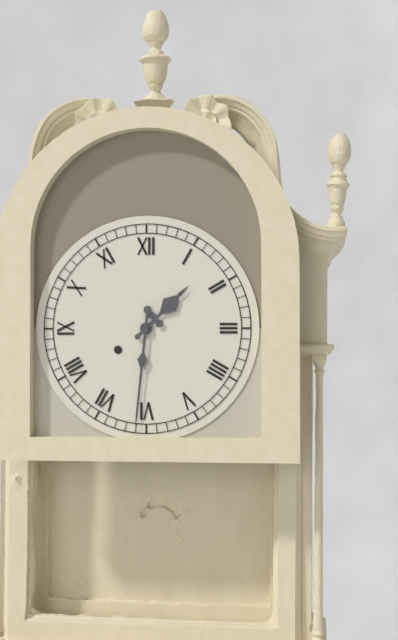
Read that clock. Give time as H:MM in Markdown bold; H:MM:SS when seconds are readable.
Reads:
**1:31**
